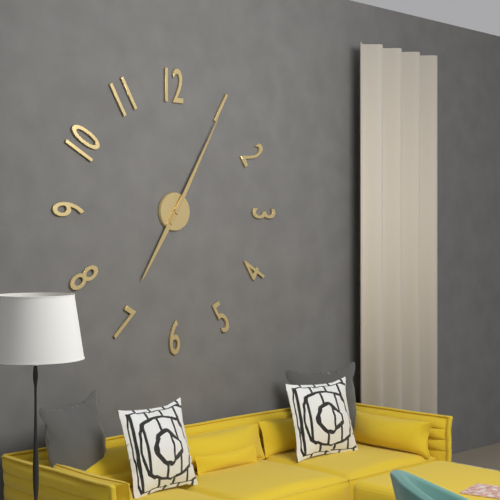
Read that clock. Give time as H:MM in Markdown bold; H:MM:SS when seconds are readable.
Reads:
**7:05**
